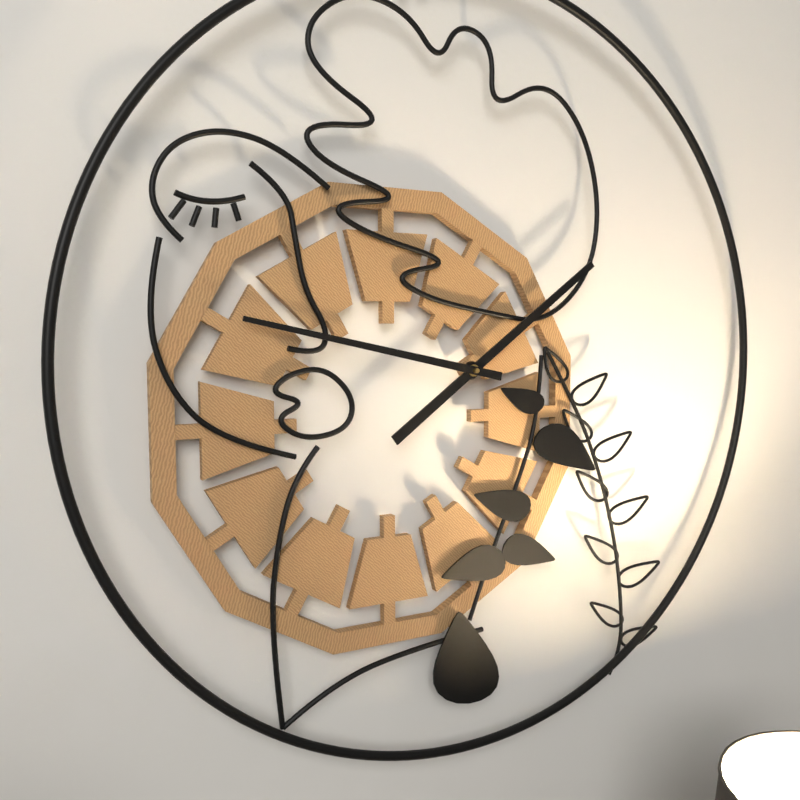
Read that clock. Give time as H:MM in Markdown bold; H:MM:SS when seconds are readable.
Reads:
**1:47**
